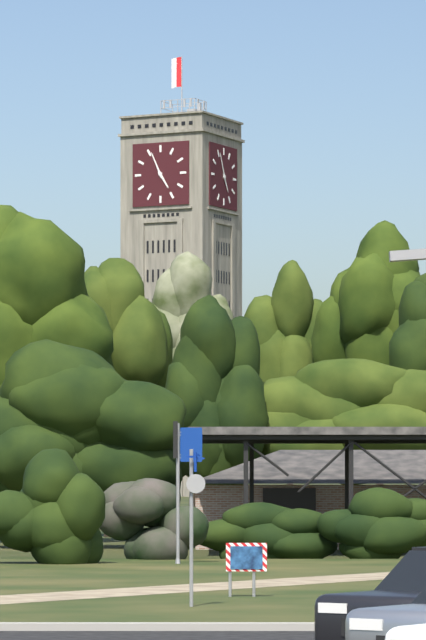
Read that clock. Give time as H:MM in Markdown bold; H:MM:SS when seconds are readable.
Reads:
**4:56**
